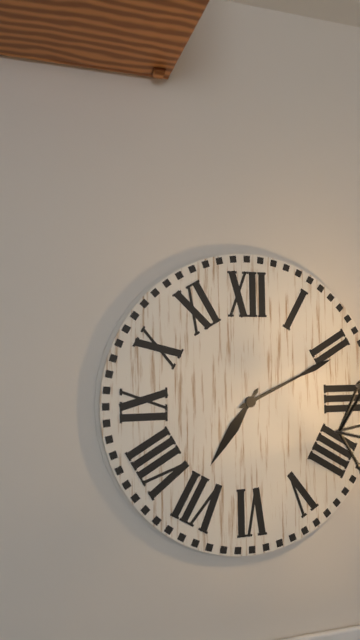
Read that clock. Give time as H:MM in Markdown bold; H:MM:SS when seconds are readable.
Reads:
**7:11**
